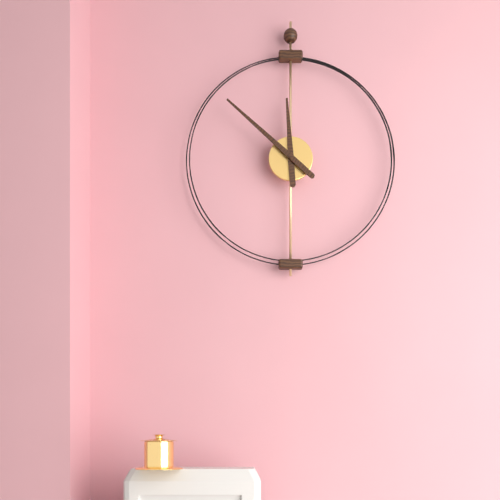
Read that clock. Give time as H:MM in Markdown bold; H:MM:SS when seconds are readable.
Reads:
**11:52**
